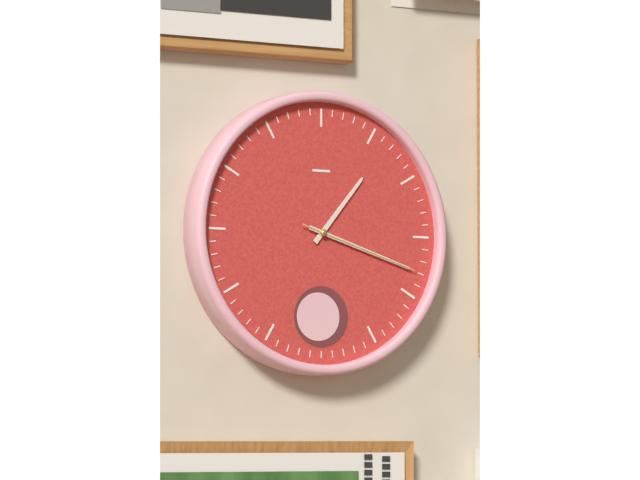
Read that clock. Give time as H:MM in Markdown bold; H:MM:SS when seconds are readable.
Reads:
**1:18:18**
